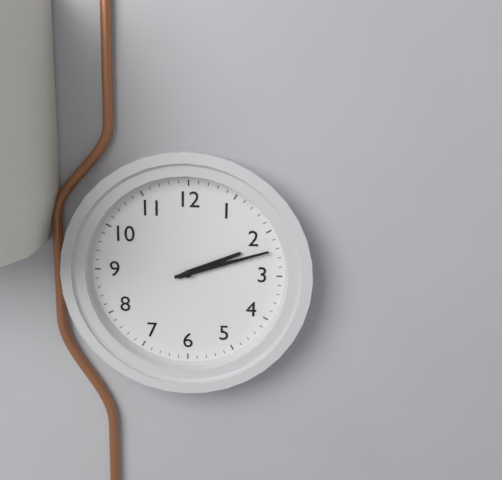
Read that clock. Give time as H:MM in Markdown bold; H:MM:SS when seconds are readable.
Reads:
**2:12**
